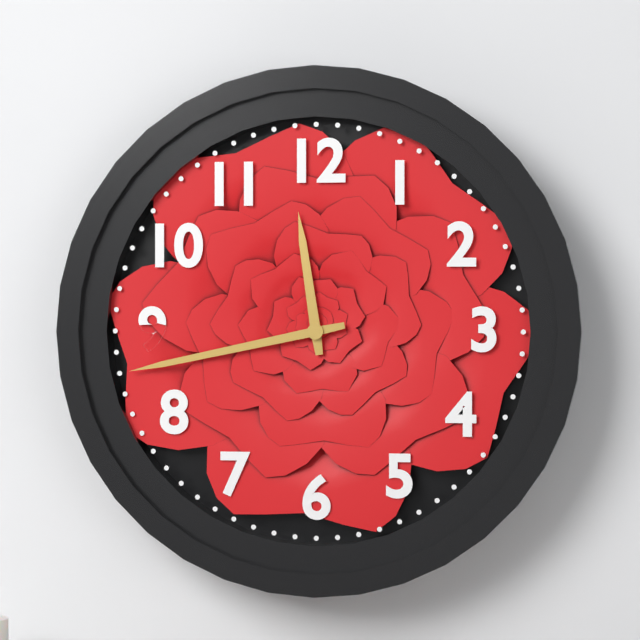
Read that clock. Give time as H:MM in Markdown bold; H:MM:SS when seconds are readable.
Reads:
**11:43**
